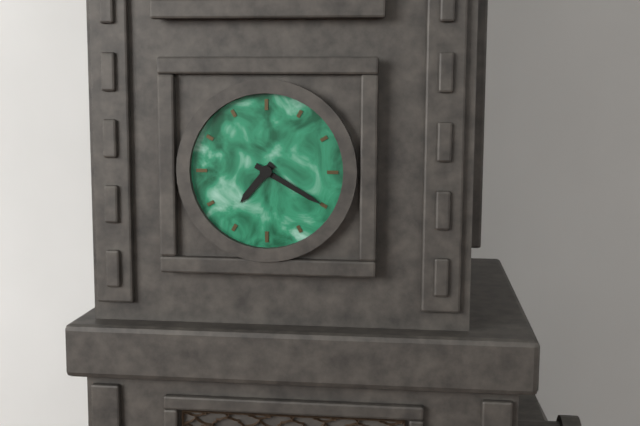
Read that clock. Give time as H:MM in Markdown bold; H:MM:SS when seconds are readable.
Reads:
**7:20**
